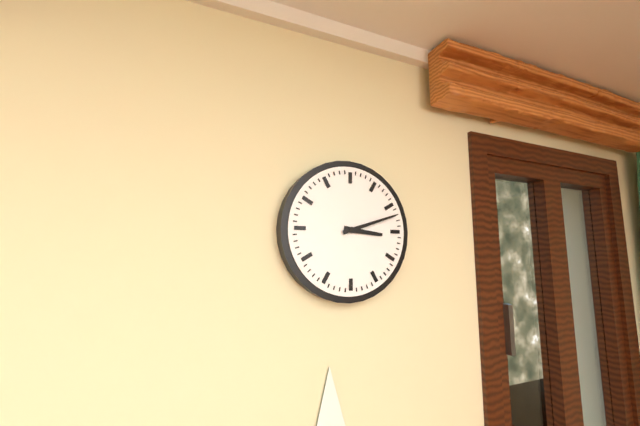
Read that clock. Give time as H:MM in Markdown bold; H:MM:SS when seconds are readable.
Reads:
**3:12**
